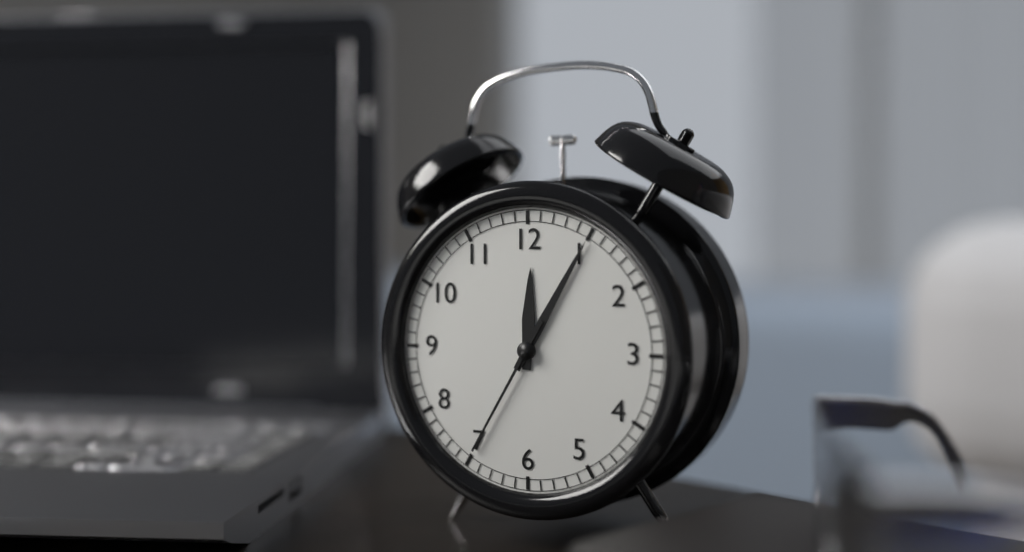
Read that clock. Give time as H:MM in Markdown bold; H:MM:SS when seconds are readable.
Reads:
**12:05:35**
